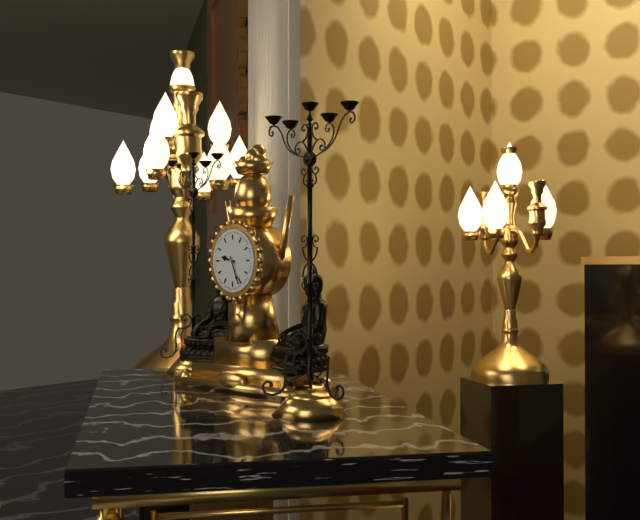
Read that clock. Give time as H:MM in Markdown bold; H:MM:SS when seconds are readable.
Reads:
**9:26**
